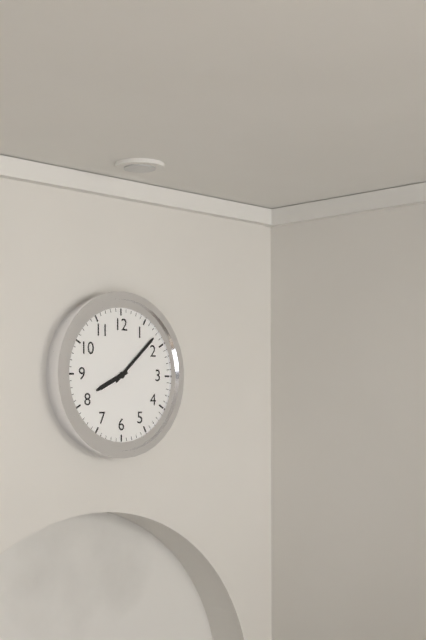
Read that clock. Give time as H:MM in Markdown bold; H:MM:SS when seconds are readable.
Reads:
**8:08**
